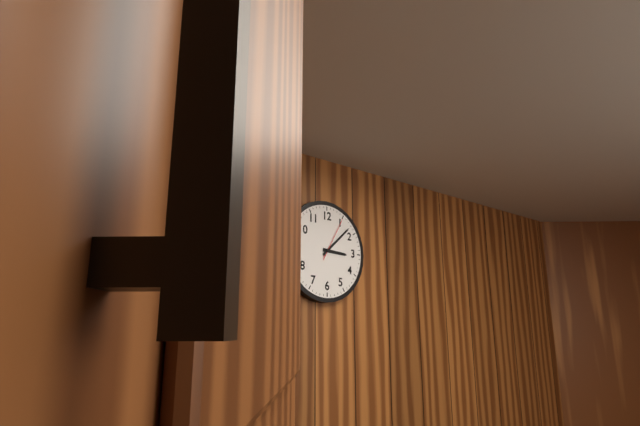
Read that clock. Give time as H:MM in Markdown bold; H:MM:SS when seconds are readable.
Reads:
**3:08:05**
